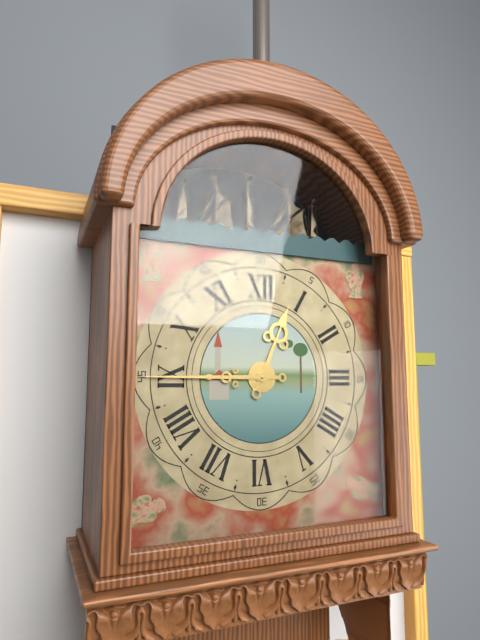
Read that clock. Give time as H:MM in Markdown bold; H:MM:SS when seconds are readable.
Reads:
**12:45**
